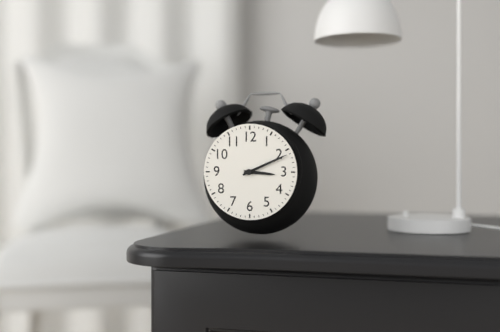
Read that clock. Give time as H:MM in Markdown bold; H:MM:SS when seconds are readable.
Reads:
**3:11**
